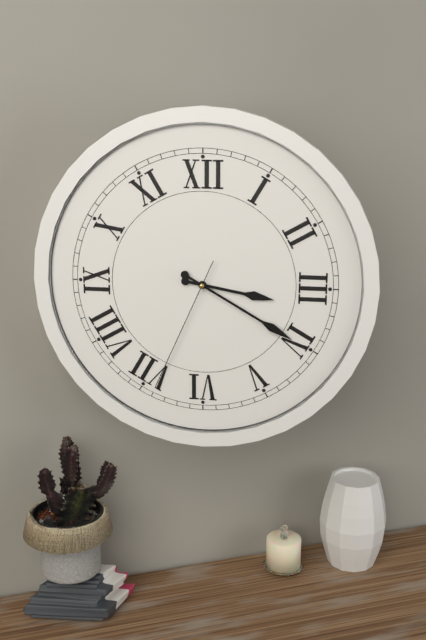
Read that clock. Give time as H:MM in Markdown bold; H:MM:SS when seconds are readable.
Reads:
**3:20:34**
